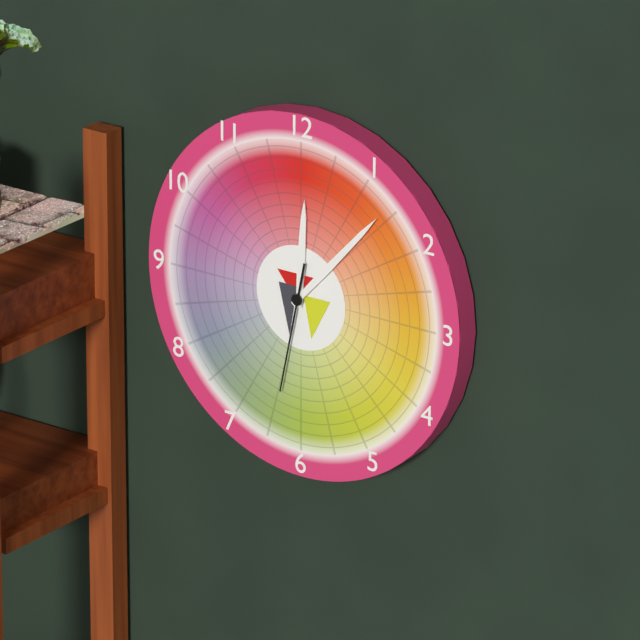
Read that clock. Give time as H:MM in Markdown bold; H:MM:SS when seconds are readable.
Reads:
**12:07:32**
